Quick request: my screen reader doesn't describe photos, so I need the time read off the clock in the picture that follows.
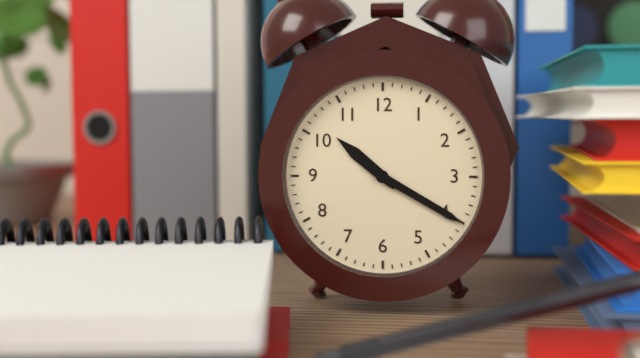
10:20
